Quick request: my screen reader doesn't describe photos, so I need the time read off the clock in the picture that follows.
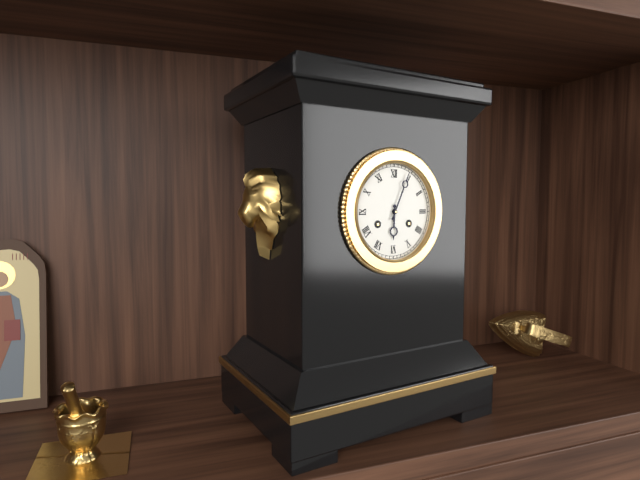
6:04
